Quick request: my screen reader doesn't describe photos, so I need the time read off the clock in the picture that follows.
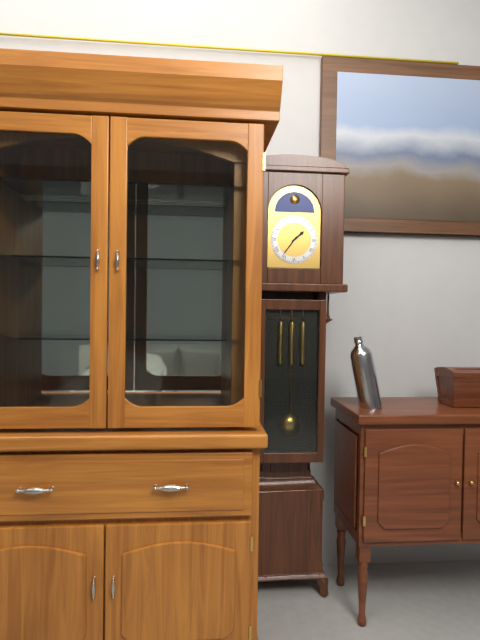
1:36
